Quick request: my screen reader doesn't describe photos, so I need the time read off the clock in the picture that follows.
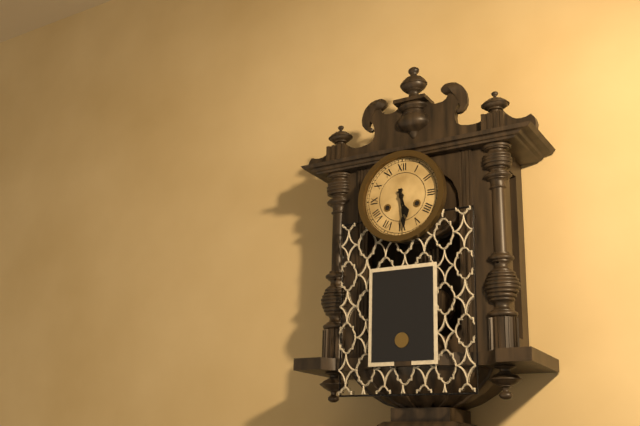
5:29
